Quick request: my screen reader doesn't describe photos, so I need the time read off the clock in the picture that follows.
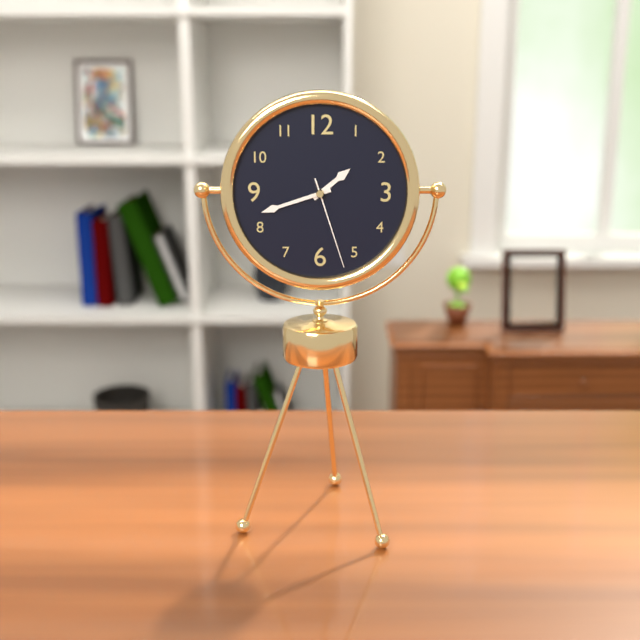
1:42:27
